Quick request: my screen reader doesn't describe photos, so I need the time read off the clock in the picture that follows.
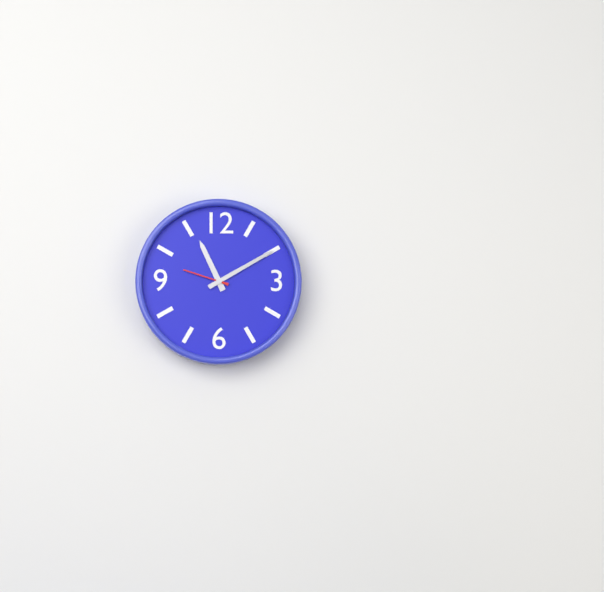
11:10
